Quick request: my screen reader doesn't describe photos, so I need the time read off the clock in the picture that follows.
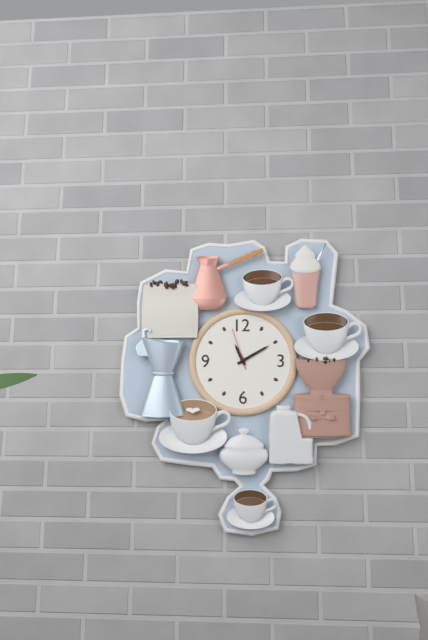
11:10
